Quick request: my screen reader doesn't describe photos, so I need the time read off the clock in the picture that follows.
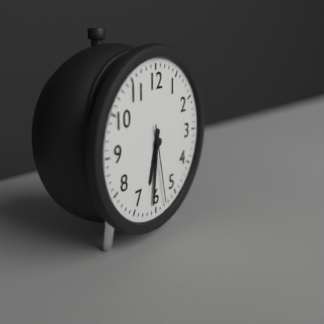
6:31:28
